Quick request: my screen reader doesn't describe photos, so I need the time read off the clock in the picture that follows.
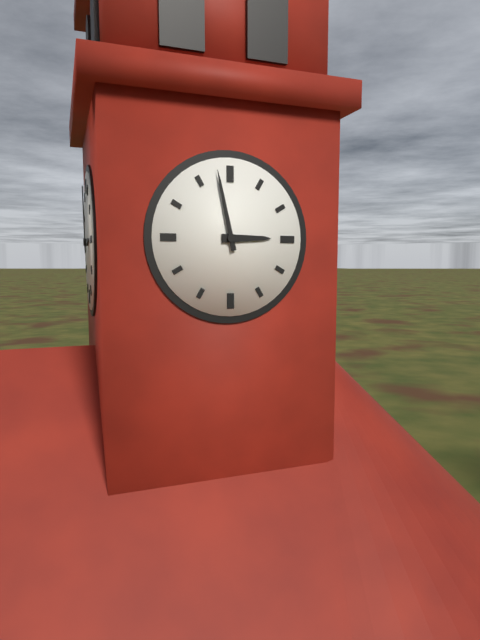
2:58
